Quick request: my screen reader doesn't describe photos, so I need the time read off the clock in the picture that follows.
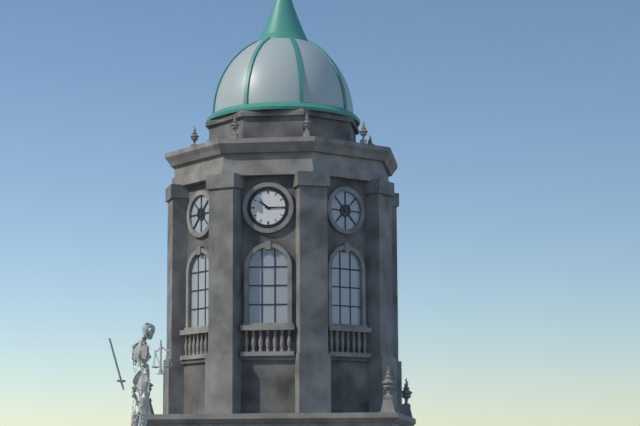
10:15
